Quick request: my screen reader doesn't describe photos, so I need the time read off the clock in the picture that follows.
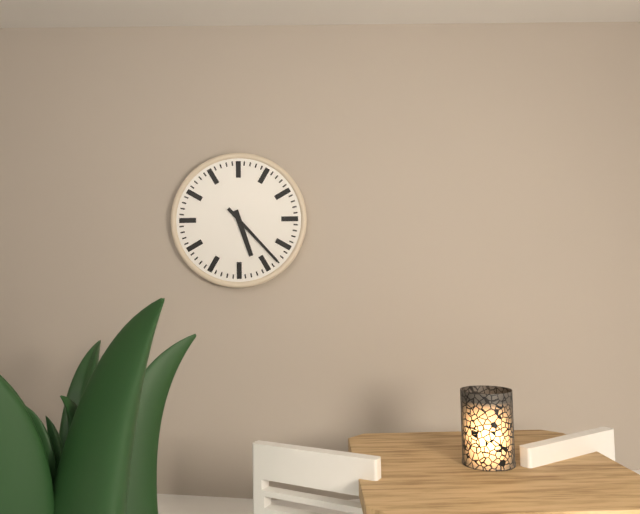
5:23
